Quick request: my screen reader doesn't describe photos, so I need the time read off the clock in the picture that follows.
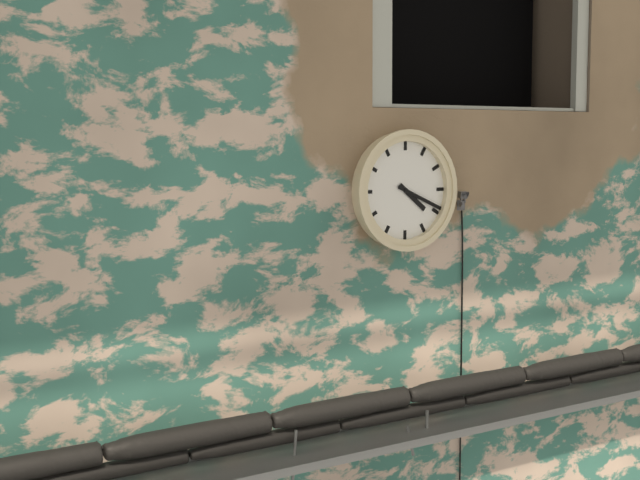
4:19
